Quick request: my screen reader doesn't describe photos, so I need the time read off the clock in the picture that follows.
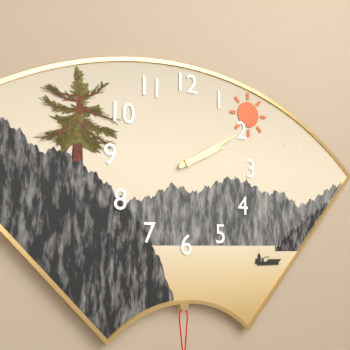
2:10
